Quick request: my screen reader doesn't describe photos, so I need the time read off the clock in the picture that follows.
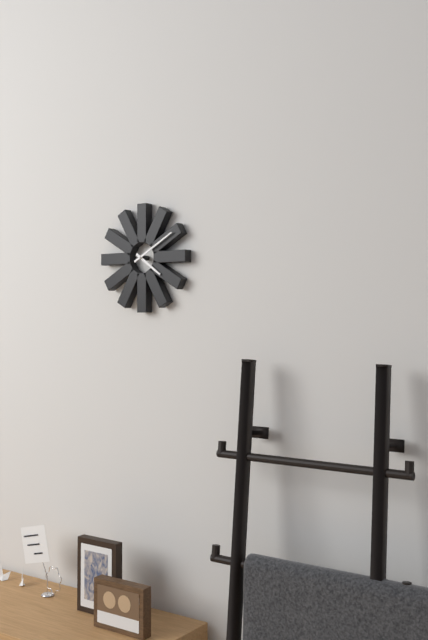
4:10
